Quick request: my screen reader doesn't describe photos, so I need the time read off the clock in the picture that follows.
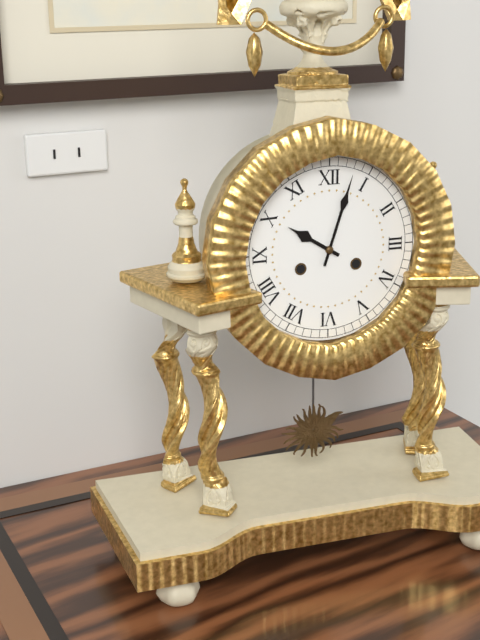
10:03
